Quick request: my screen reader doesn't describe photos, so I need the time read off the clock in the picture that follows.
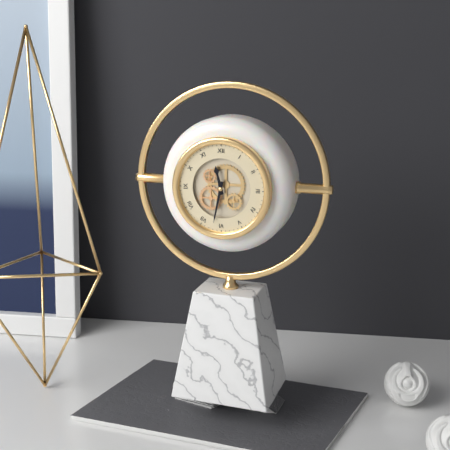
11:32
